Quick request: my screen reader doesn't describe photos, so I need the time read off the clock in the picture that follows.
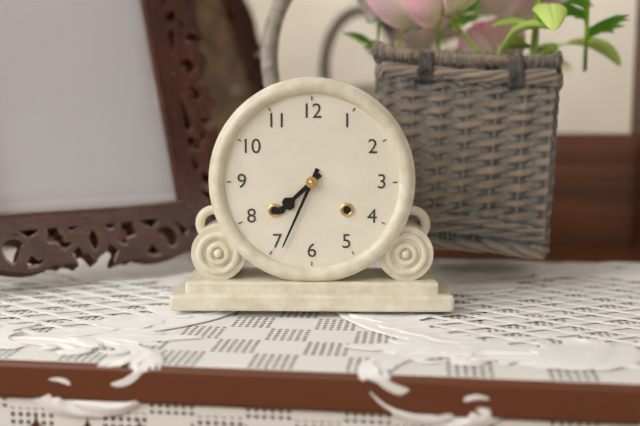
7:34
